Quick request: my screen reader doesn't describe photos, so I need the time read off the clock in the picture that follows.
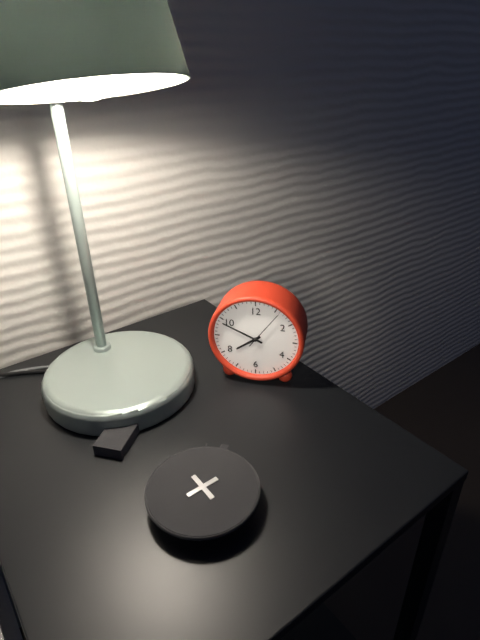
7:49
